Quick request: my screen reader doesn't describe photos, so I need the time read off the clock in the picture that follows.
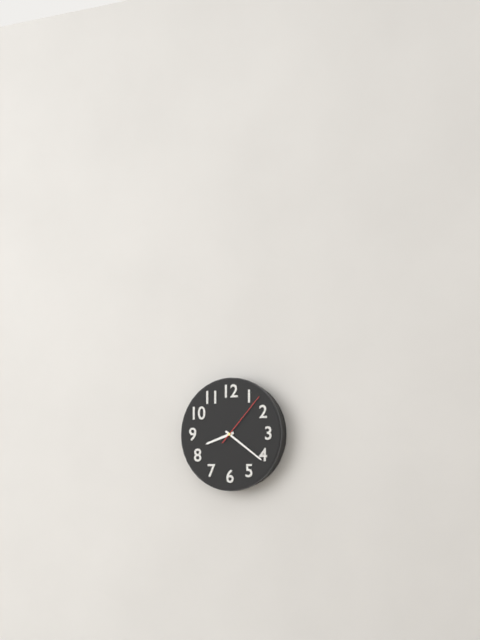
8:21:07
